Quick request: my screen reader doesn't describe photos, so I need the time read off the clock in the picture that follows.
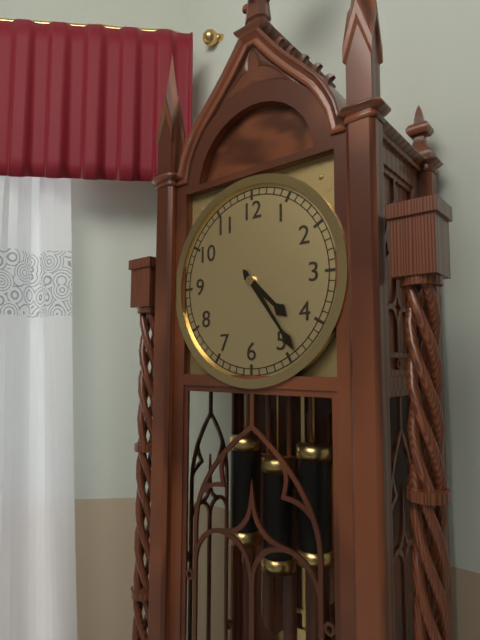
4:24
